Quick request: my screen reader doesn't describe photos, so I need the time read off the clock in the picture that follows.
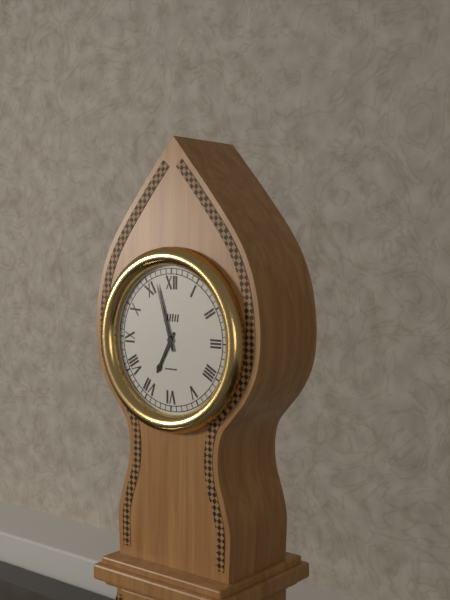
6:57
